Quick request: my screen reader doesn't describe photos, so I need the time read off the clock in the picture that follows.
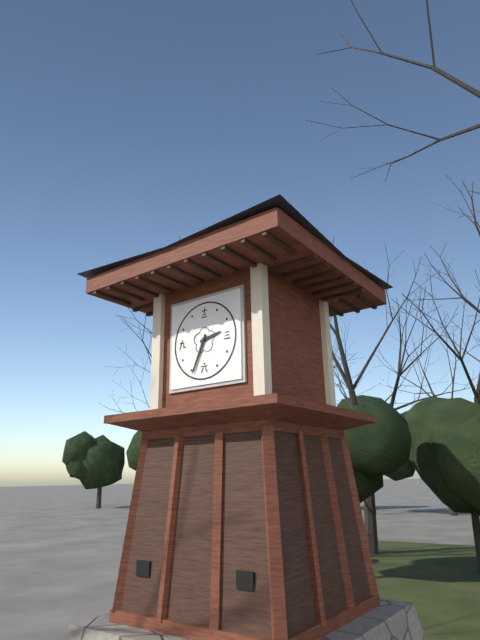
2:34
